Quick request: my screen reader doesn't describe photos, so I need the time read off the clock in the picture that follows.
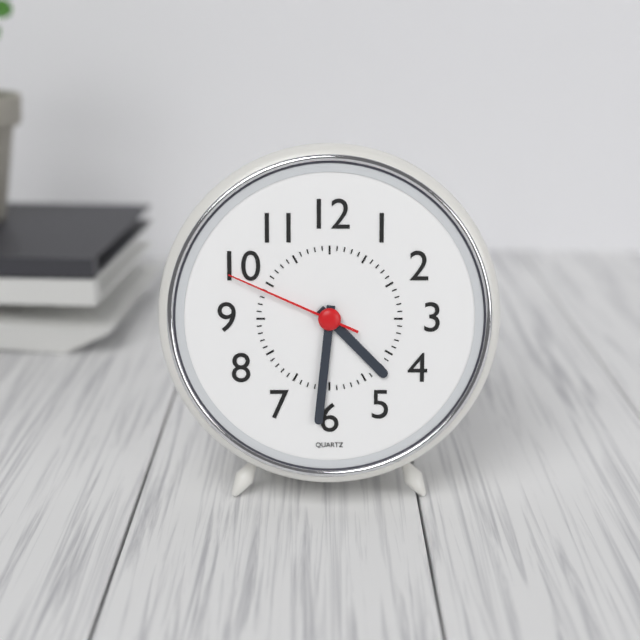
4:31:49
